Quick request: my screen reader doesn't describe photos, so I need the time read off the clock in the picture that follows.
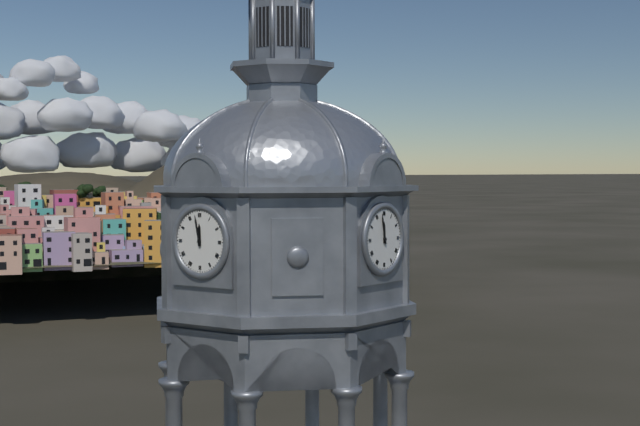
11:58
